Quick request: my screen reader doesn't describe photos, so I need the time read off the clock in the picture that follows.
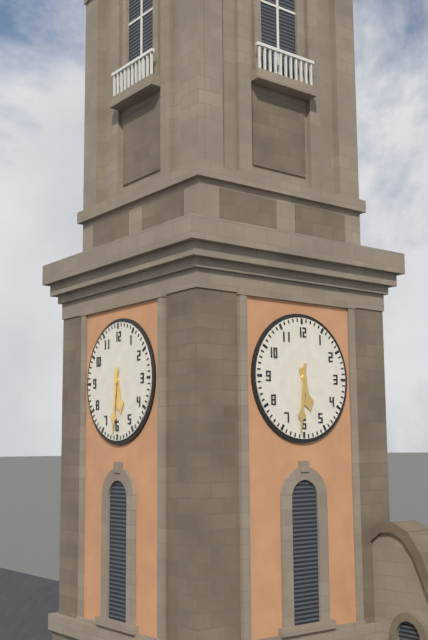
5:31
